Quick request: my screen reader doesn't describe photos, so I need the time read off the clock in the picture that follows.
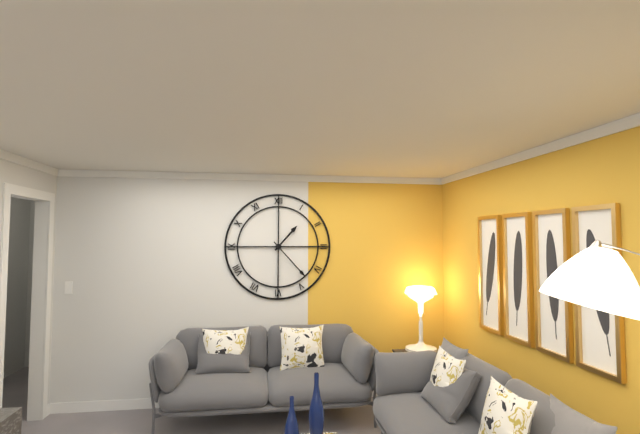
1:23
